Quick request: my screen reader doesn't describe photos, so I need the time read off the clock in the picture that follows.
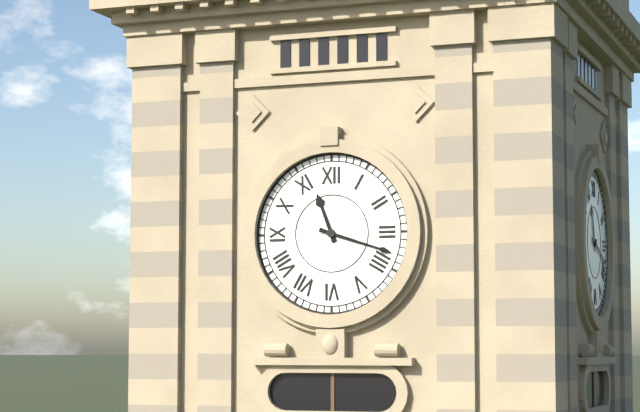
11:18
